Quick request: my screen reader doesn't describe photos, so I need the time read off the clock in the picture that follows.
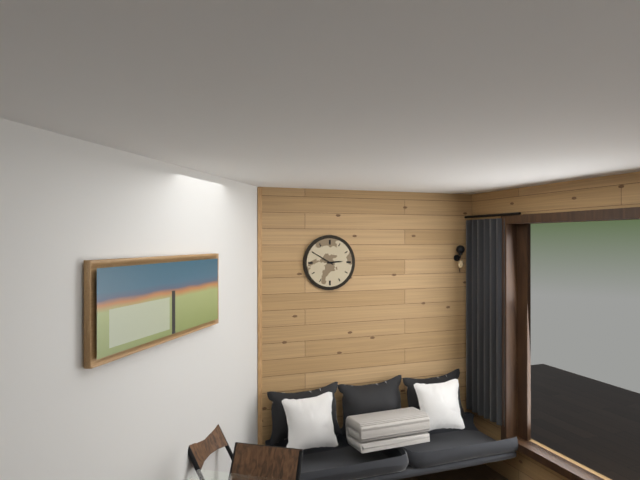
2:50
